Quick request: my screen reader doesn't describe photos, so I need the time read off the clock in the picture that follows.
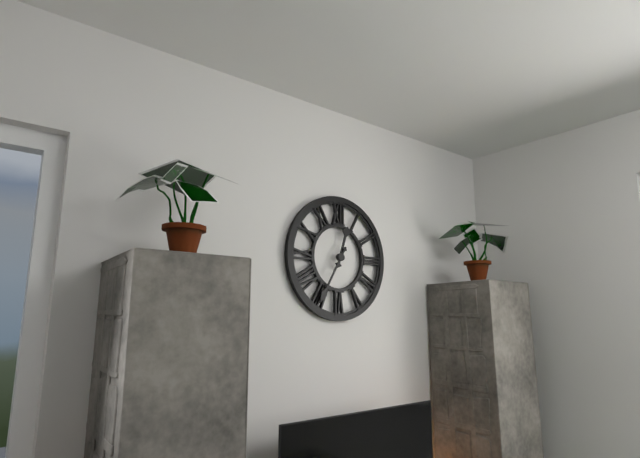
12:35
